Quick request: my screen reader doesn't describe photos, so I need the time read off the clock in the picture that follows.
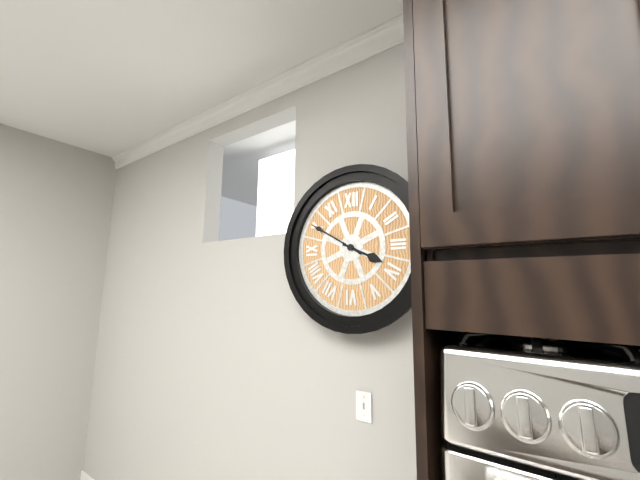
3:50
